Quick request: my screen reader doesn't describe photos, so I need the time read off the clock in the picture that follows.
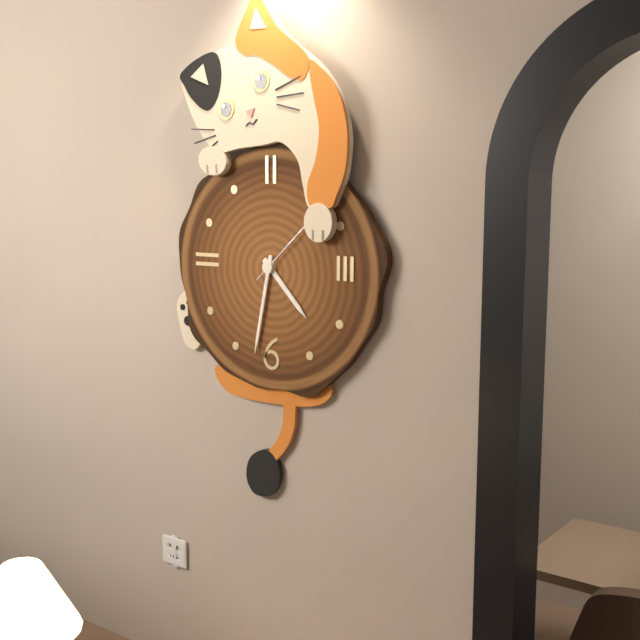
4:32
